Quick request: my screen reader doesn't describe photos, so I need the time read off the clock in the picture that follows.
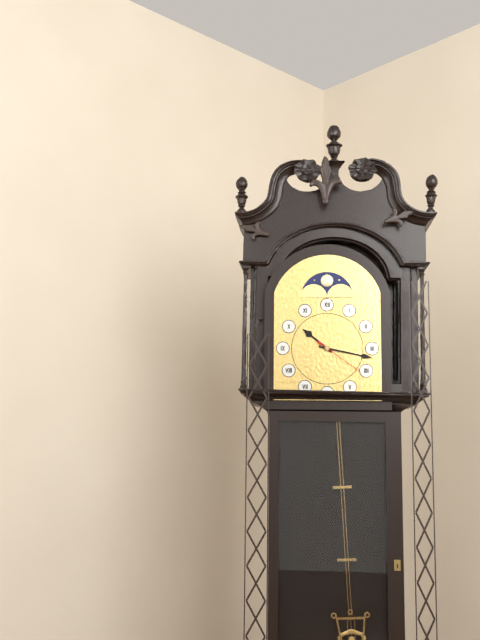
10:17:21
